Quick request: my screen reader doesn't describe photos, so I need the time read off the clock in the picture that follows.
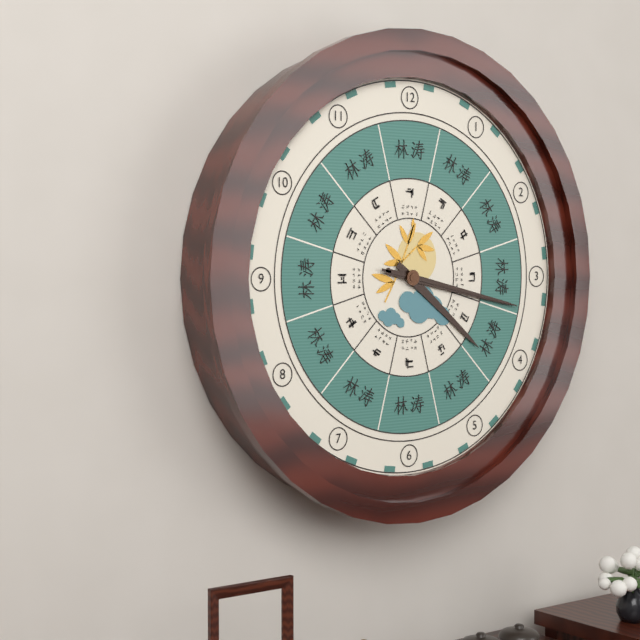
4:17:17
